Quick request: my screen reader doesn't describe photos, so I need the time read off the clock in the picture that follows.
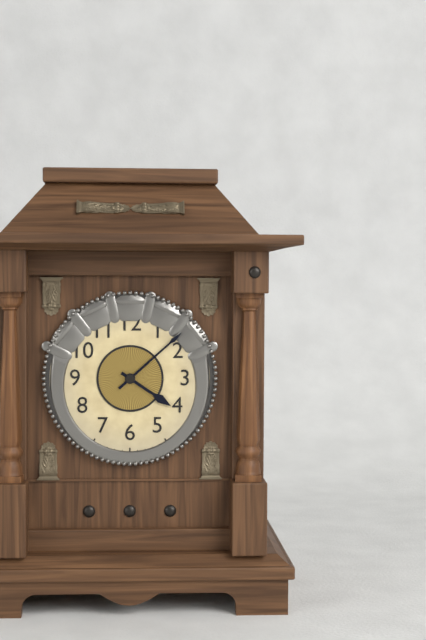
4:08
